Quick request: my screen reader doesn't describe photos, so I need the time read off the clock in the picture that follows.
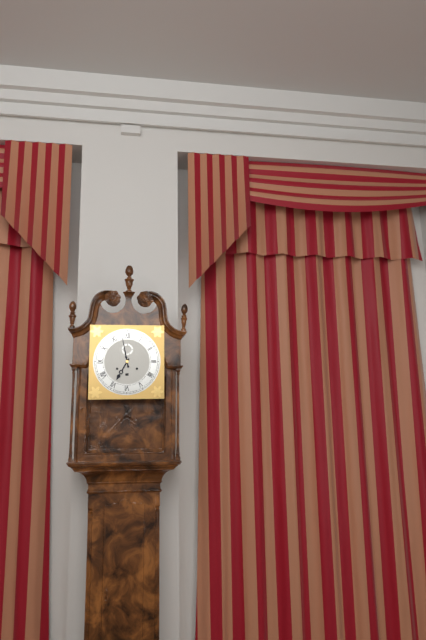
6:58
